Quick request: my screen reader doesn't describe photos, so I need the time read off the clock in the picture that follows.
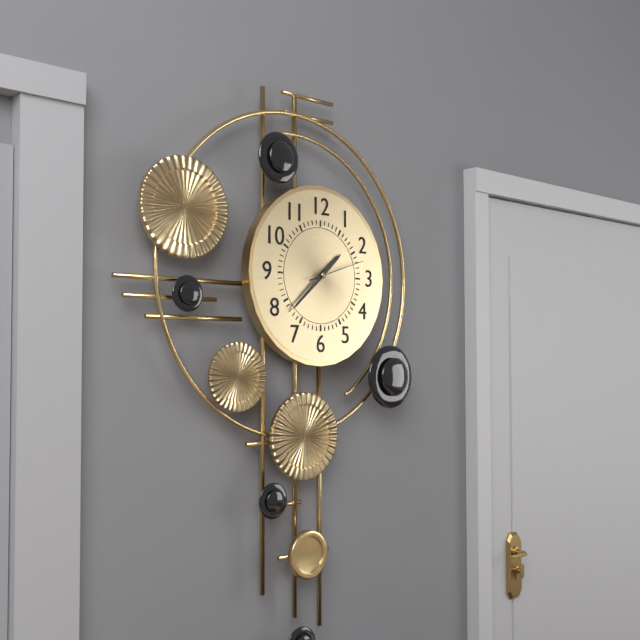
1:38:12
